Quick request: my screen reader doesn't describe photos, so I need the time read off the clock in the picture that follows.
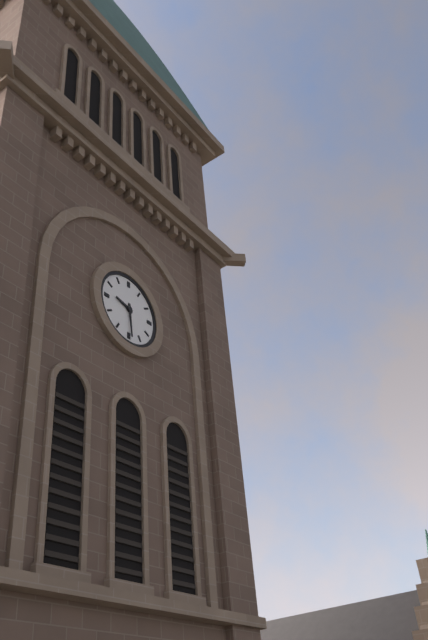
9:29
